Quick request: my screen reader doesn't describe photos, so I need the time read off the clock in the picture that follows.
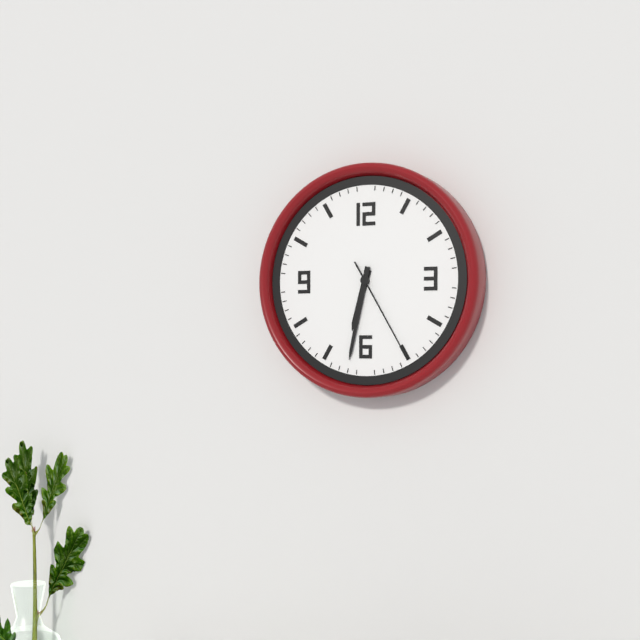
6:32:25
